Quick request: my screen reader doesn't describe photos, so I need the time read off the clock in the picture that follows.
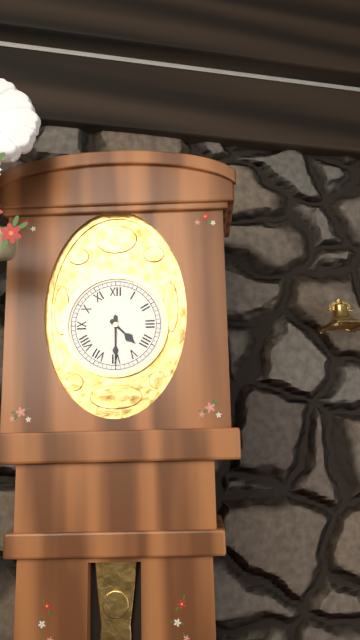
4:30
